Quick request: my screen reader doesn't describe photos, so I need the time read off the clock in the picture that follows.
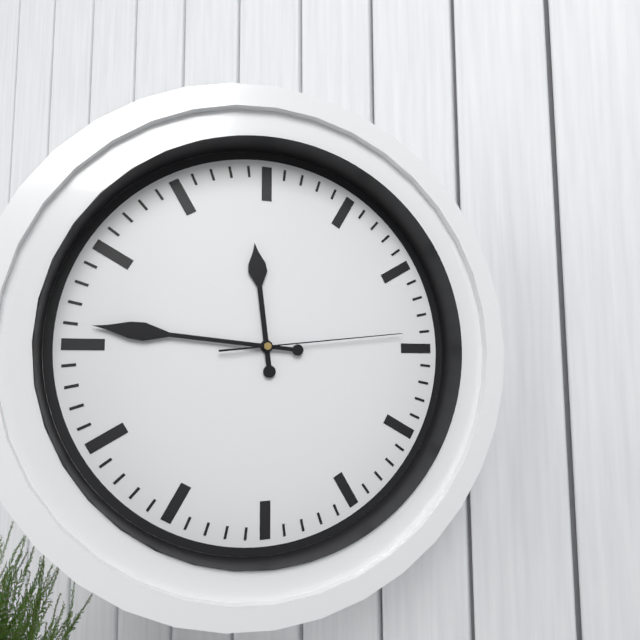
11:46:14
